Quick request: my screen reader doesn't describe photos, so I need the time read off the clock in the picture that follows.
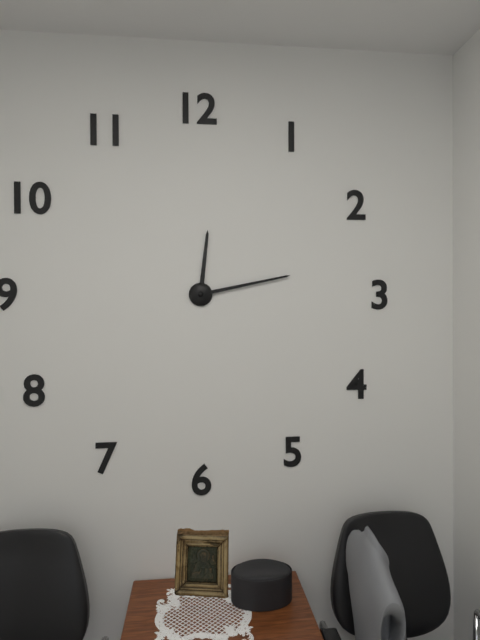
12:13
